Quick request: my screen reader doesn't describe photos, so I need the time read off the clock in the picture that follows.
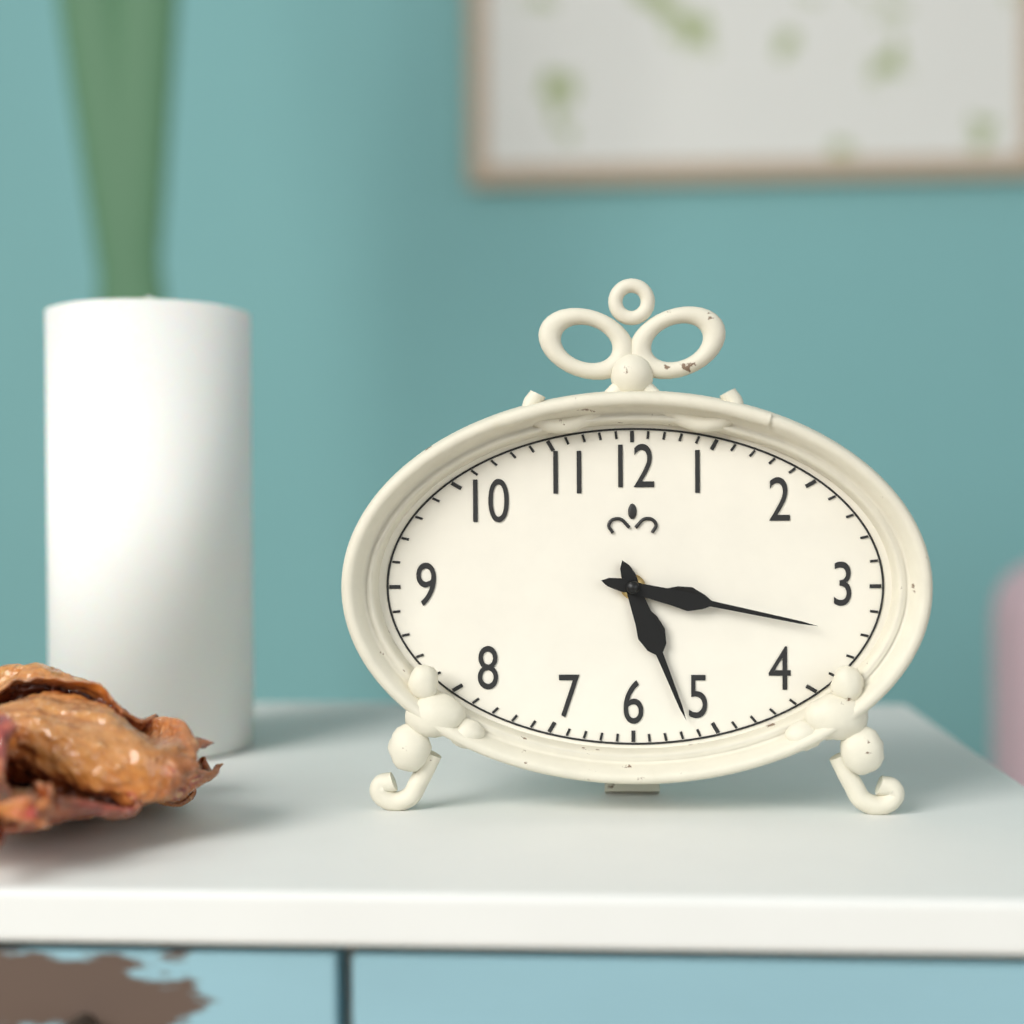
5:17
